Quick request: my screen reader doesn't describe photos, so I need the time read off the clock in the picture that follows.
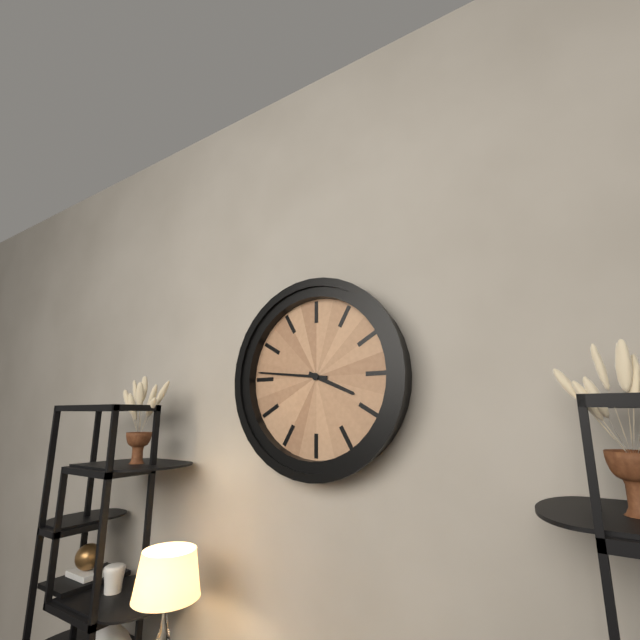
3:46
